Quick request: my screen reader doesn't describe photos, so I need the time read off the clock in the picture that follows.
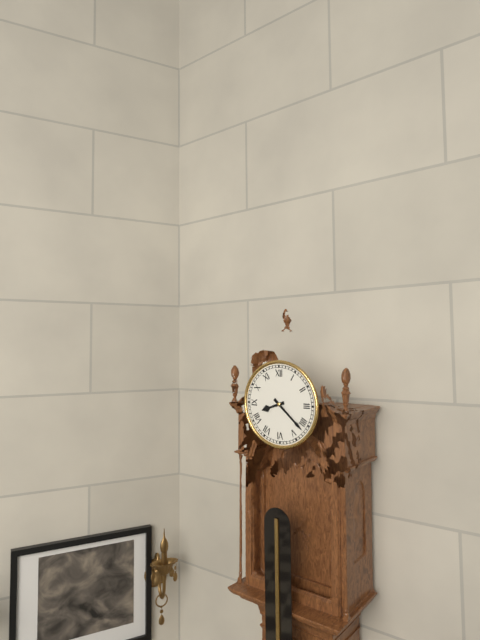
8:22
